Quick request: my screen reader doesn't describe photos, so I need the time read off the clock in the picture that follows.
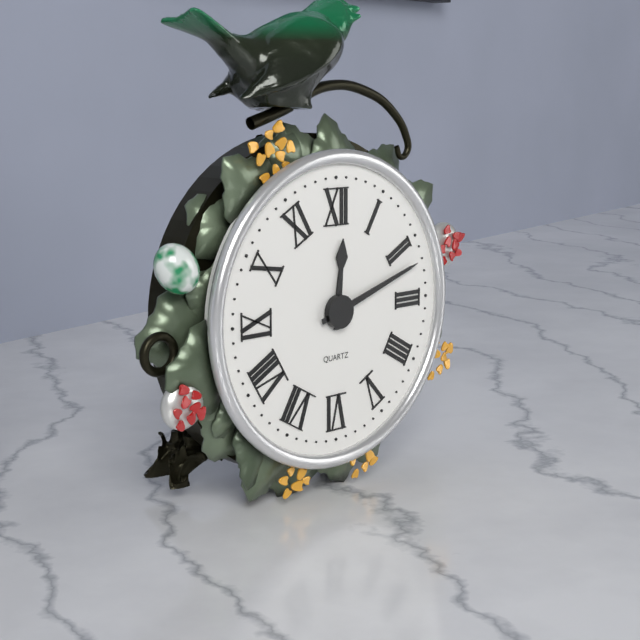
12:12
